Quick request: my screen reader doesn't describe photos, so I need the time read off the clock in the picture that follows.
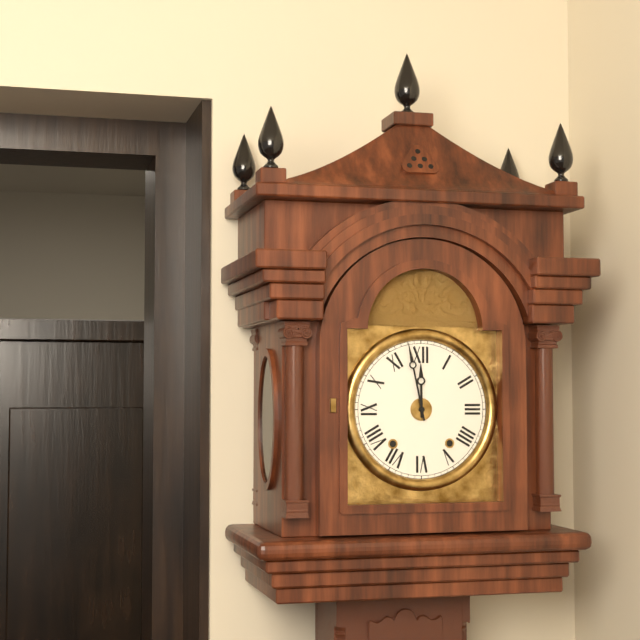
11:58
